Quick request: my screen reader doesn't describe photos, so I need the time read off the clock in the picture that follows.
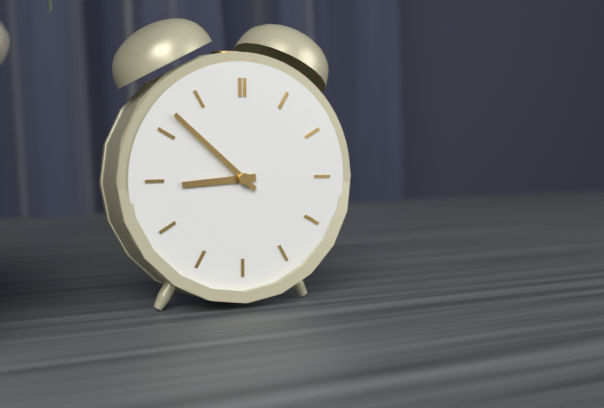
8:52
